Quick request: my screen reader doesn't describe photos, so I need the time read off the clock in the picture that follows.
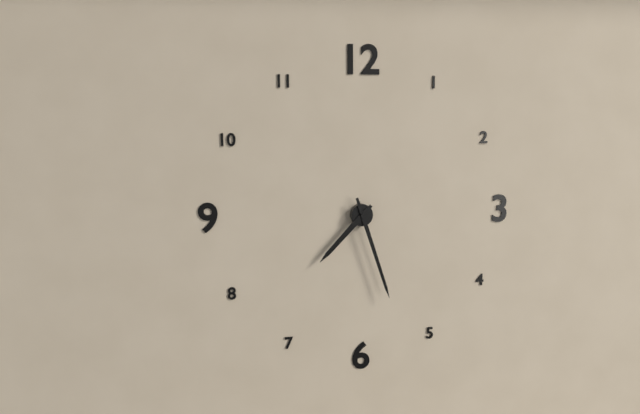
7:27
